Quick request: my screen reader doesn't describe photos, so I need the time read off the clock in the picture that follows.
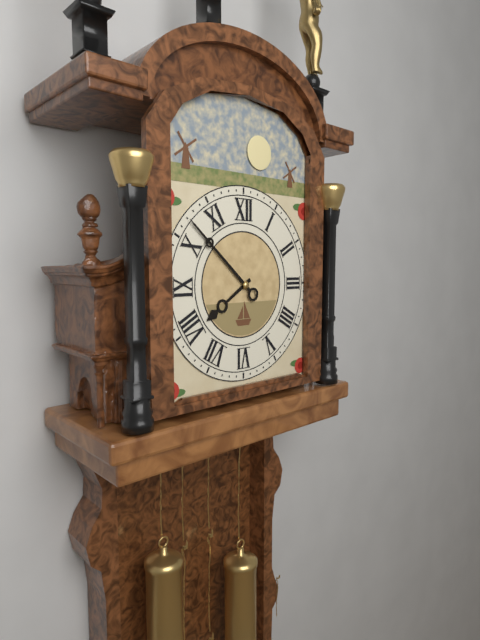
7:52
